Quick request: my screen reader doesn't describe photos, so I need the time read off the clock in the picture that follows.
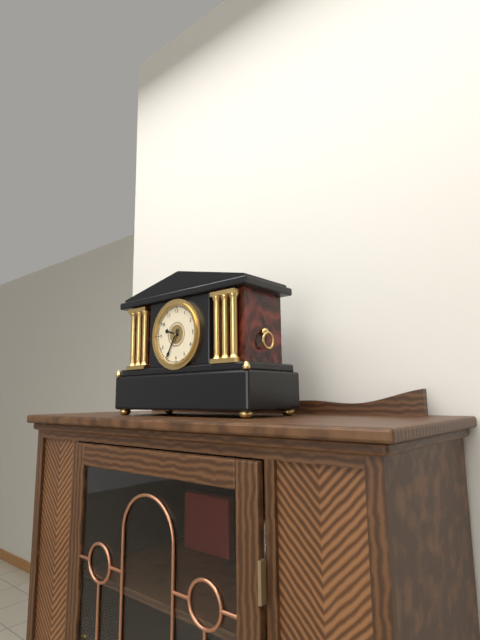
9:35
